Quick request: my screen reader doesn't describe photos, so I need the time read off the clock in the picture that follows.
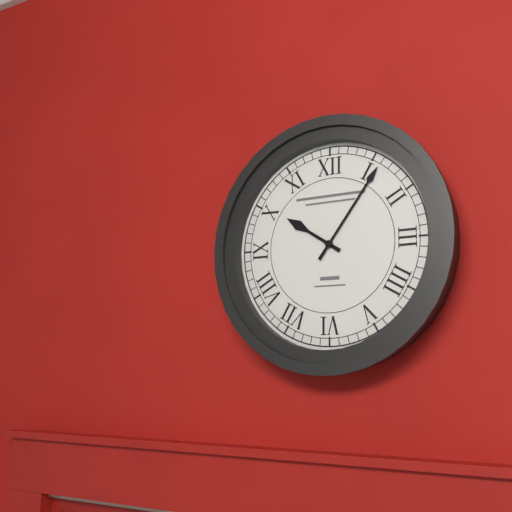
10:06
